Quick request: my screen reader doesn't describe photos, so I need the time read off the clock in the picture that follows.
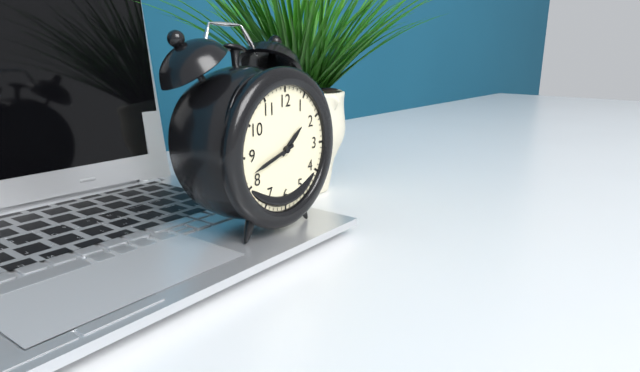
1:42
